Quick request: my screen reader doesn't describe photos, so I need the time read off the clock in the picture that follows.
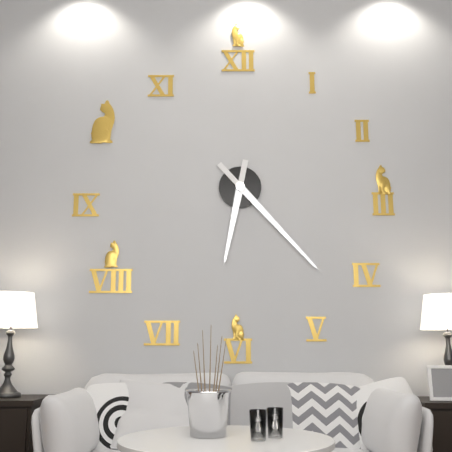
6:23
